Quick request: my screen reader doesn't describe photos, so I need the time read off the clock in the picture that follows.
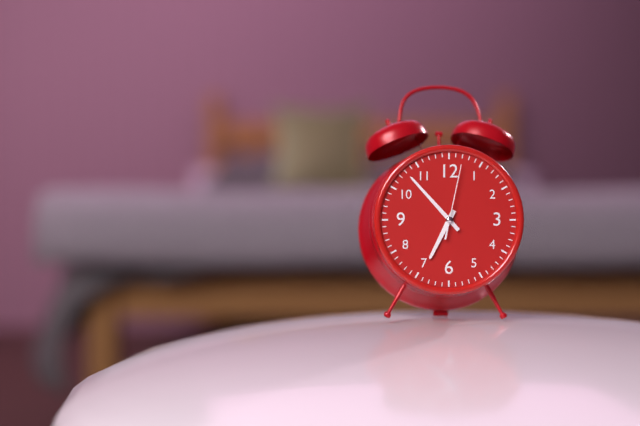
6:53:02
